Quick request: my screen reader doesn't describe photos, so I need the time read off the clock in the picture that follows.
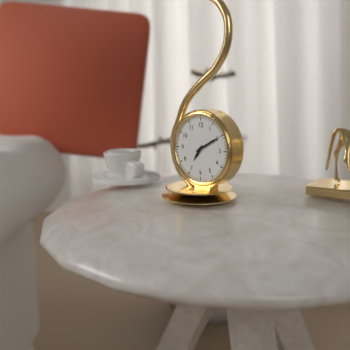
7:10
